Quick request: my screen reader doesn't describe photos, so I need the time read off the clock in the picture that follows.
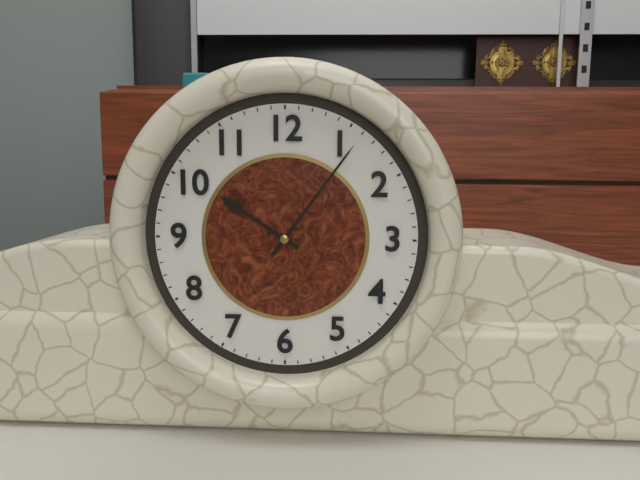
10:06
